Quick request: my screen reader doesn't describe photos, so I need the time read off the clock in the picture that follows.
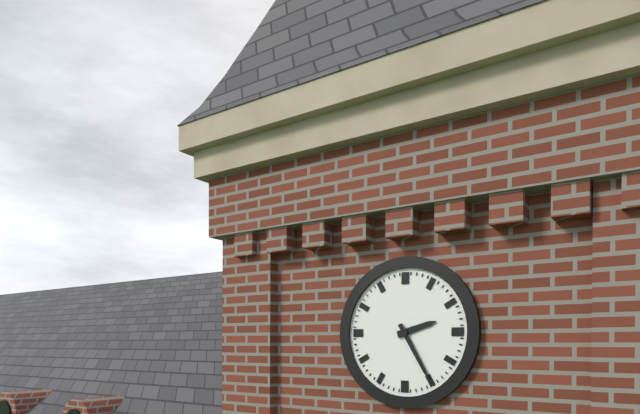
2:25
